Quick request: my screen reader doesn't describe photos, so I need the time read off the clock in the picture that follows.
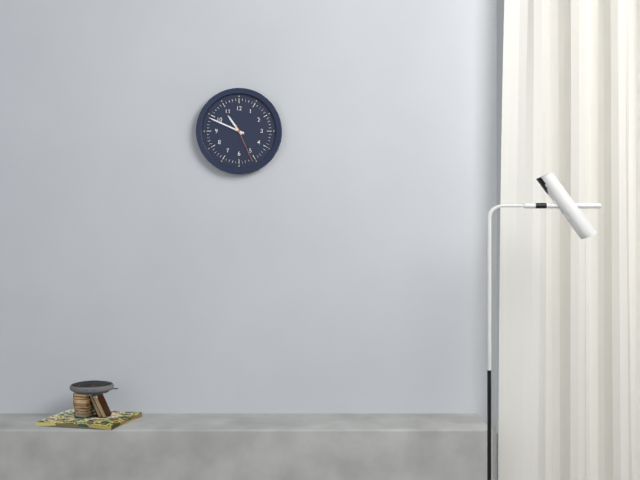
10:49
